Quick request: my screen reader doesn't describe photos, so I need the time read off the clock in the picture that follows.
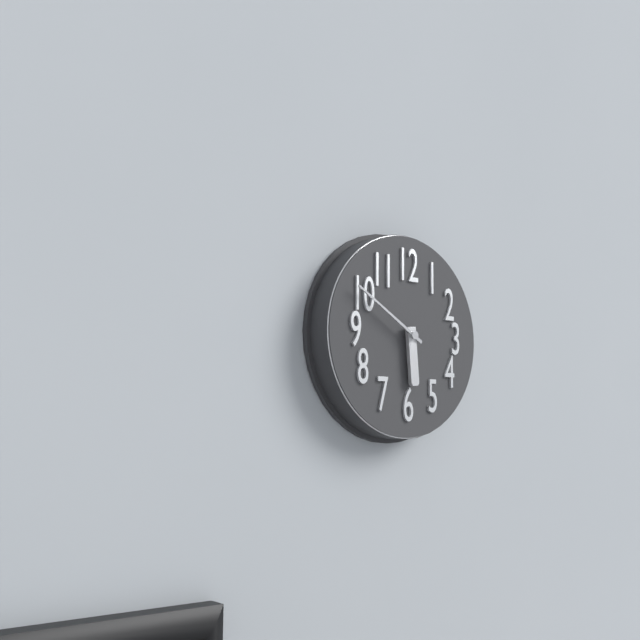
5:50
